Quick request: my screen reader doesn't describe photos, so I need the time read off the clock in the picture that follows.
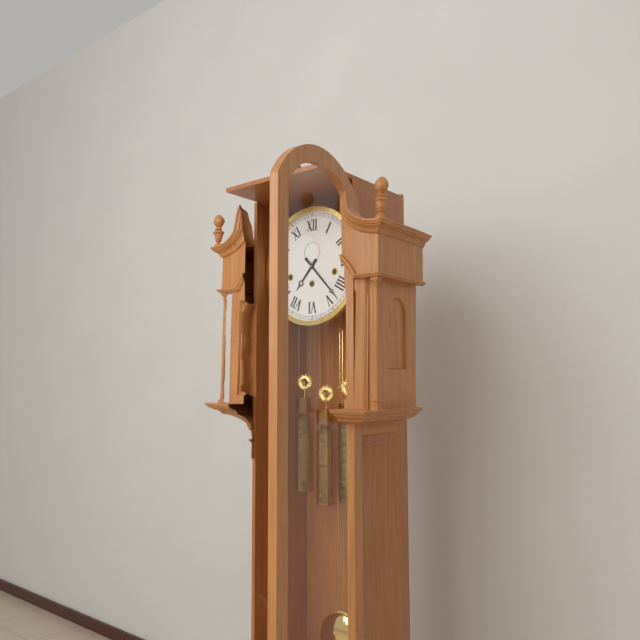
7:23
